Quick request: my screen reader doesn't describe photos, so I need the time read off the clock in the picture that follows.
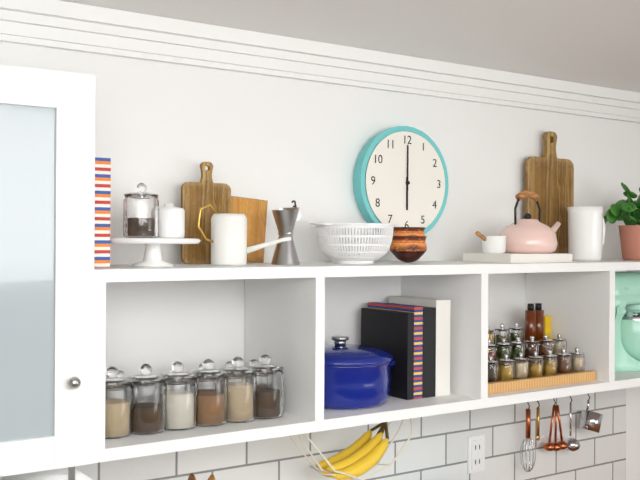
6:00
